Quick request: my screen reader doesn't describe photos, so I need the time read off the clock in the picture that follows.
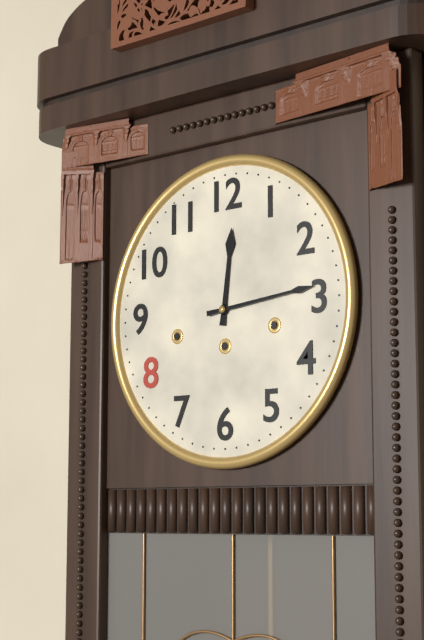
12:14
